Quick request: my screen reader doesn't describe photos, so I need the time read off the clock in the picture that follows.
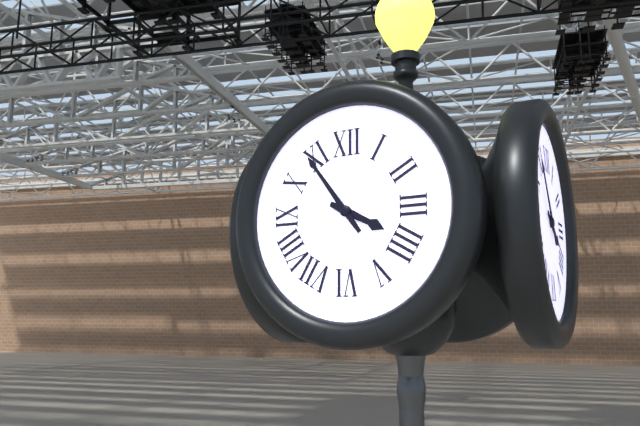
3:54
